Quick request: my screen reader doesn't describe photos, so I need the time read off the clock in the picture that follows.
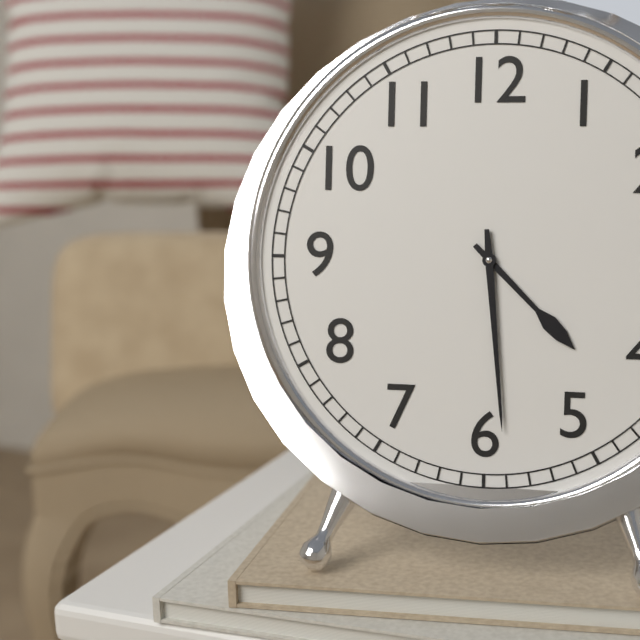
4:29
